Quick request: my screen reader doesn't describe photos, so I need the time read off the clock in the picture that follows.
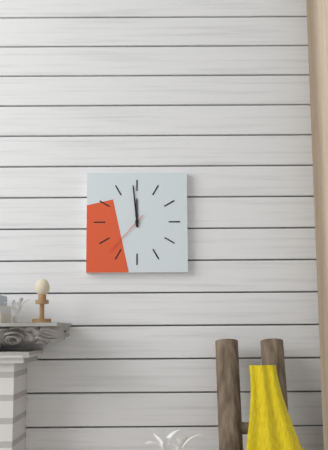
11:59:37
